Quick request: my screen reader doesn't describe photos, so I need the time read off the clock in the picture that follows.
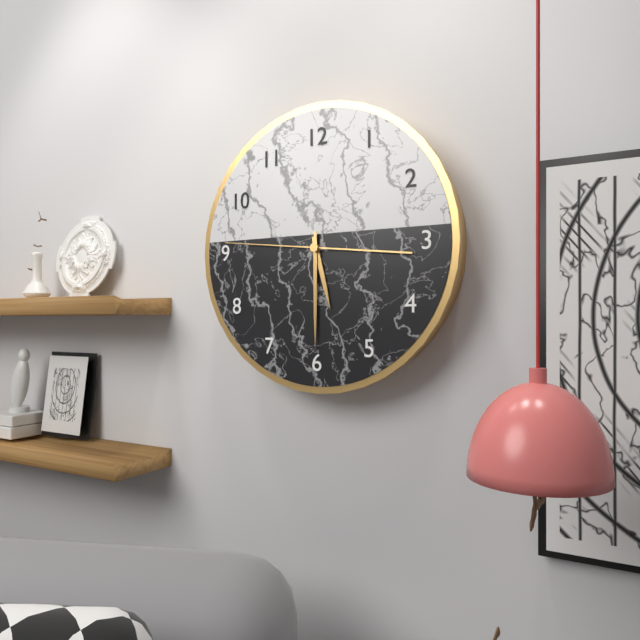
5:30:46
